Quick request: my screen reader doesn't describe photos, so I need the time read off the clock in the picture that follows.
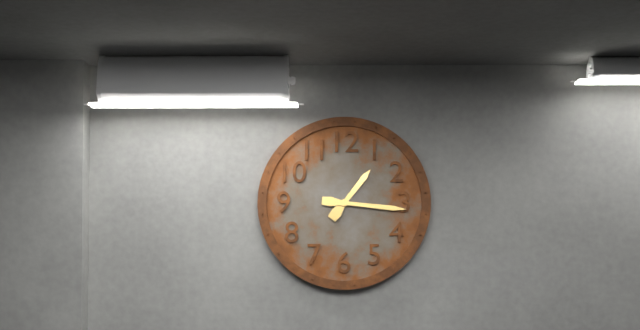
1:16
